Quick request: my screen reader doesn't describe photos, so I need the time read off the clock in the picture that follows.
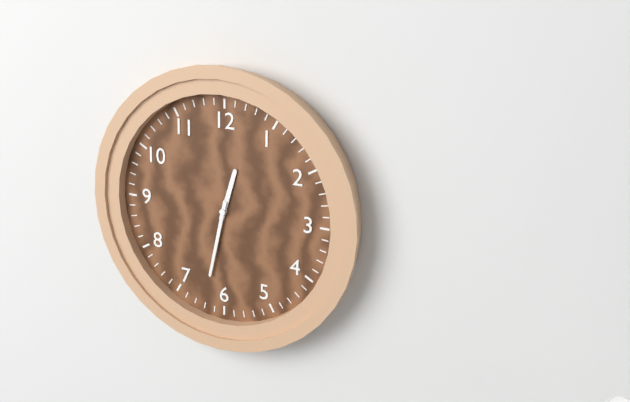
12:32
